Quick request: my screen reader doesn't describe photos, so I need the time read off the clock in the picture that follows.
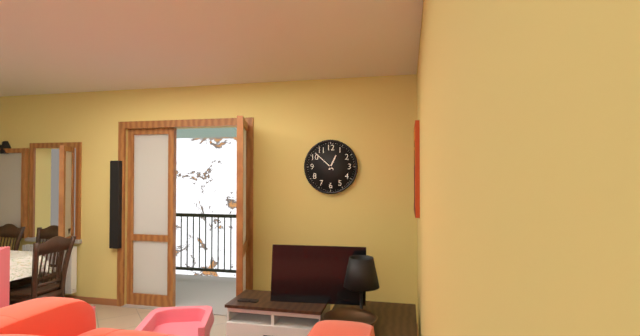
12:52
